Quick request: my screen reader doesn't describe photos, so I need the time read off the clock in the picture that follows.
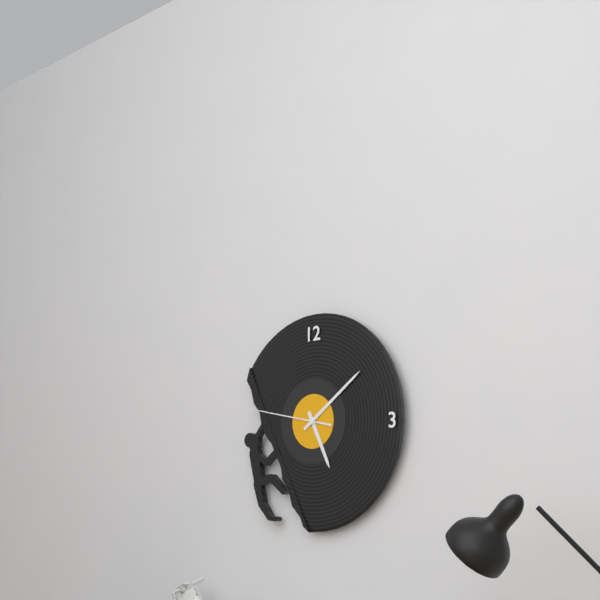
5:09:47
